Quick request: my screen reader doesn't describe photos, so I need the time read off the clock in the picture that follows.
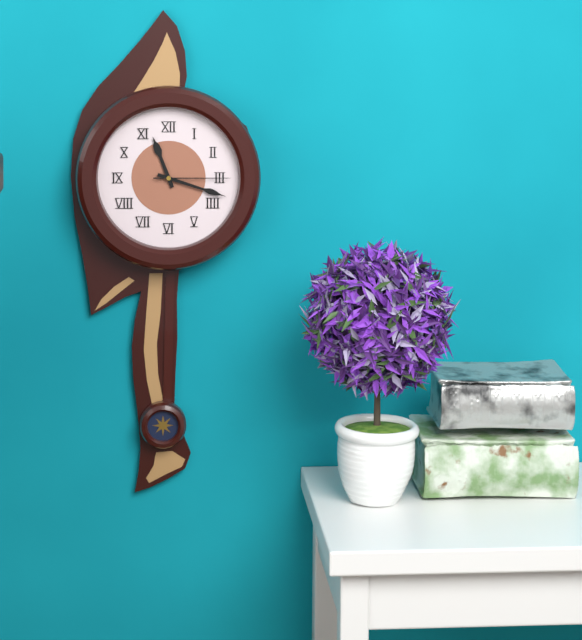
11:18:15
